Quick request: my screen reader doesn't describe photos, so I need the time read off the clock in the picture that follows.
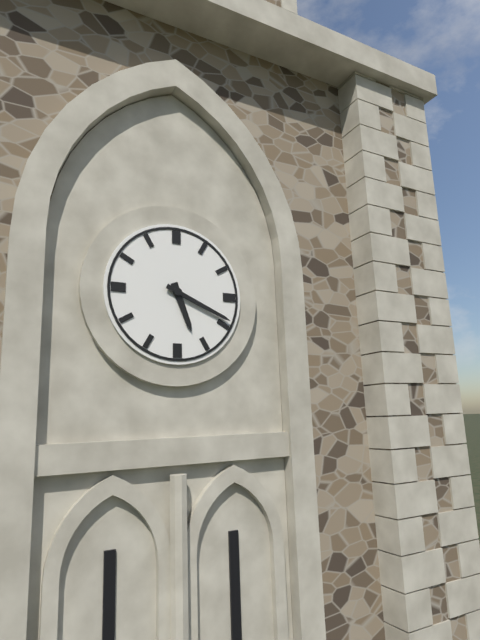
5:19
